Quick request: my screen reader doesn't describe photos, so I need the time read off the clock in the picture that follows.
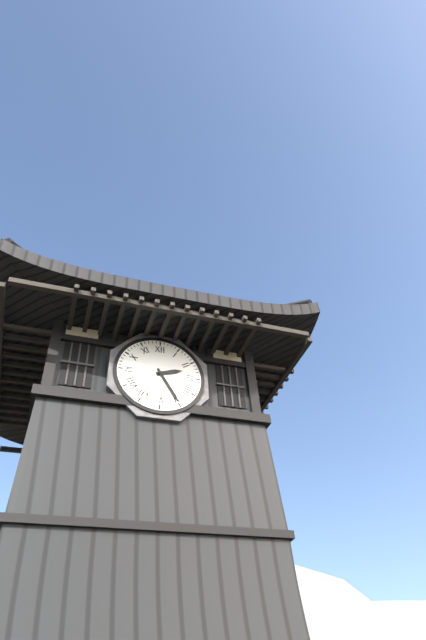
2:25
